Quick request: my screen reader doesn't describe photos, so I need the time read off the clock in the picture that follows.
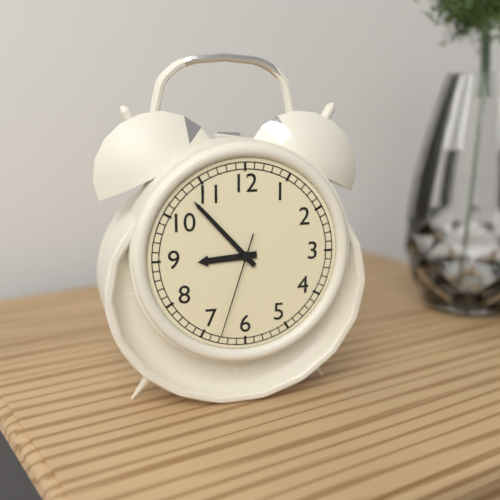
8:53:33
